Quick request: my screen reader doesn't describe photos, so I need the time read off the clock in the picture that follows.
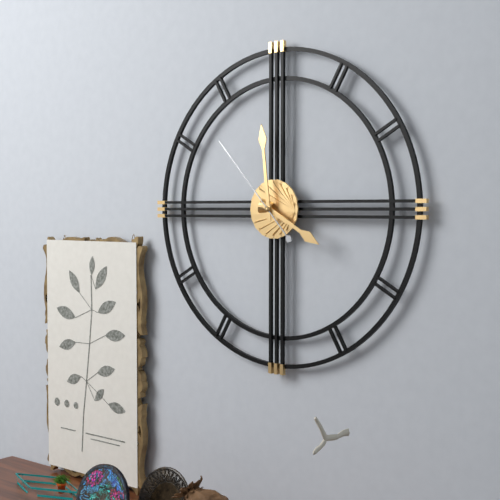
3:59:53
